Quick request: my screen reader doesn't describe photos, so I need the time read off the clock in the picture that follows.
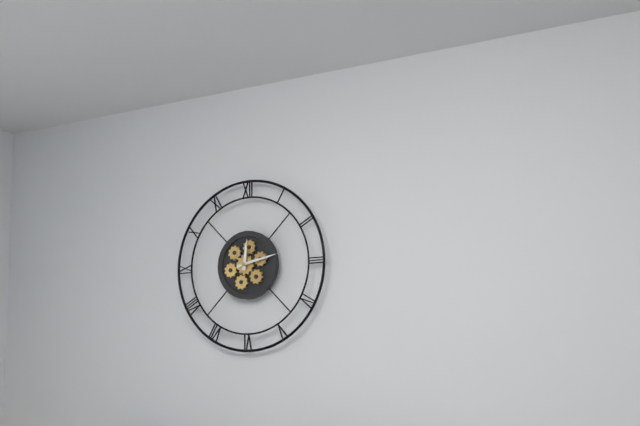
12:13
